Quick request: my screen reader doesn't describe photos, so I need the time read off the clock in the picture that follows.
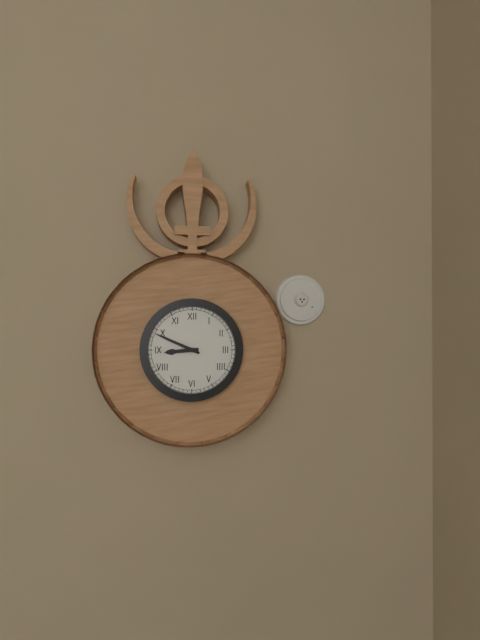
8:49
